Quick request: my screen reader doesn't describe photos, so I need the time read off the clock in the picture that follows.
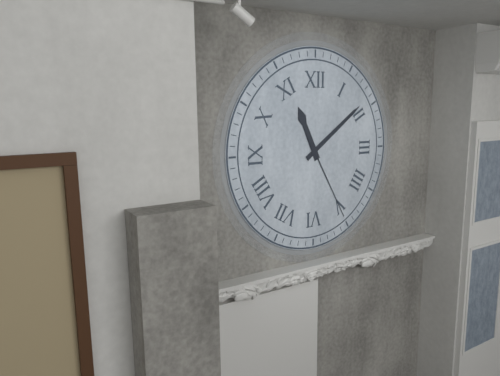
11:09:25
